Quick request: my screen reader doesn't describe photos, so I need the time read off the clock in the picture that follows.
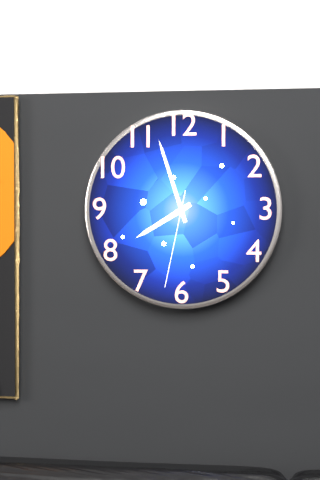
7:57:32
